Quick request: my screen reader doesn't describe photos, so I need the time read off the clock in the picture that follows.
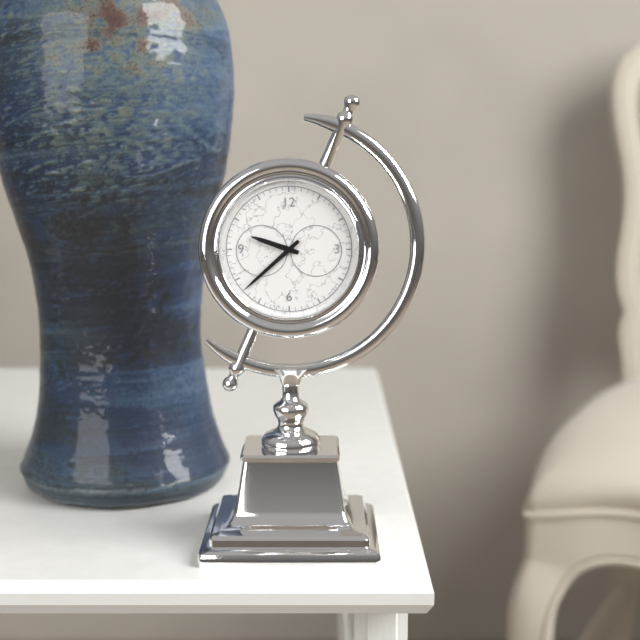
9:38
